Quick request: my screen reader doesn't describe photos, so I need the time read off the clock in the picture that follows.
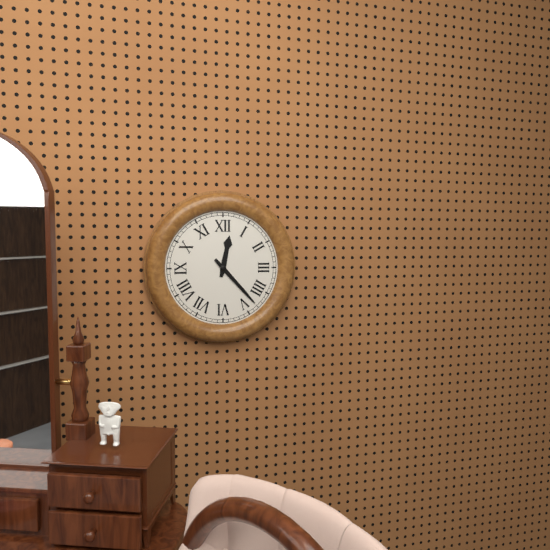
12:23
